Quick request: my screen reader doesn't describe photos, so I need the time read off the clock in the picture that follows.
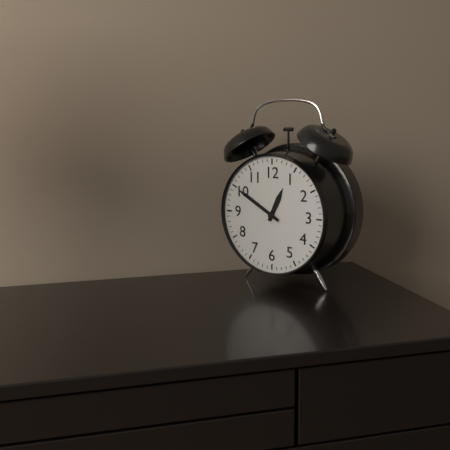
12:50
